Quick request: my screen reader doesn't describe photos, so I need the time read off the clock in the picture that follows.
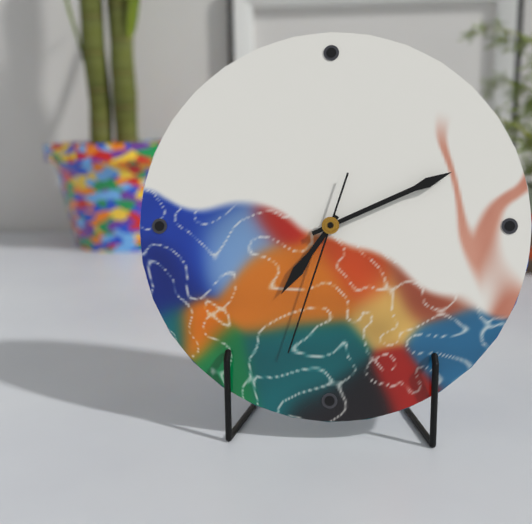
7:11:33
